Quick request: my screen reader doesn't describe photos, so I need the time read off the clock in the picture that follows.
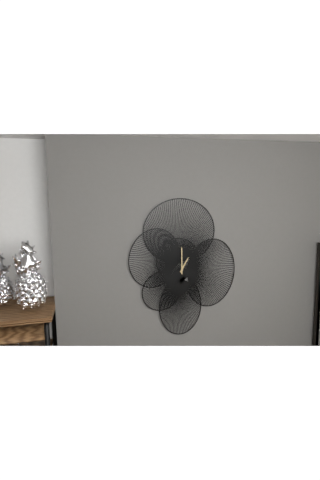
1:00
